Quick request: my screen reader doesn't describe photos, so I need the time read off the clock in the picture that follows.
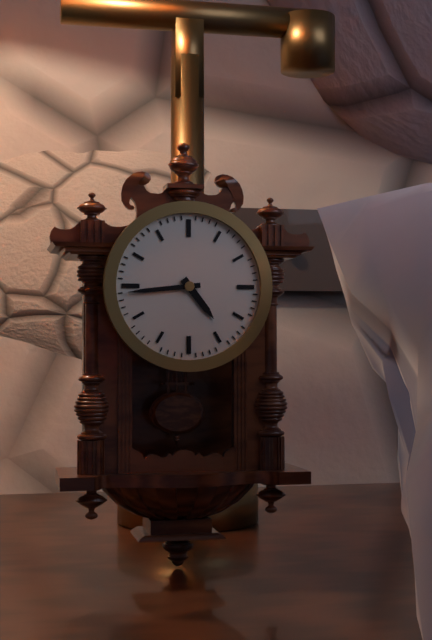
4:44
